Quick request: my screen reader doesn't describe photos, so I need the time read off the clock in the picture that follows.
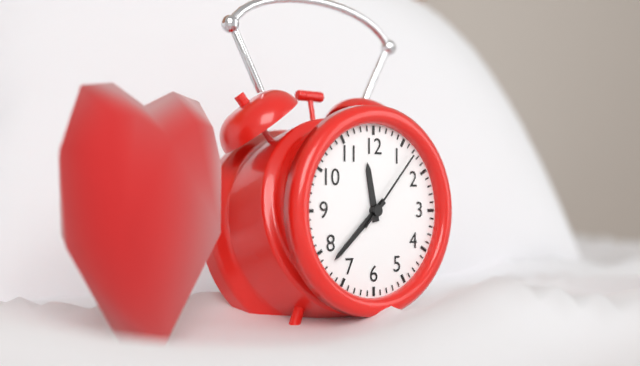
11:38:07
